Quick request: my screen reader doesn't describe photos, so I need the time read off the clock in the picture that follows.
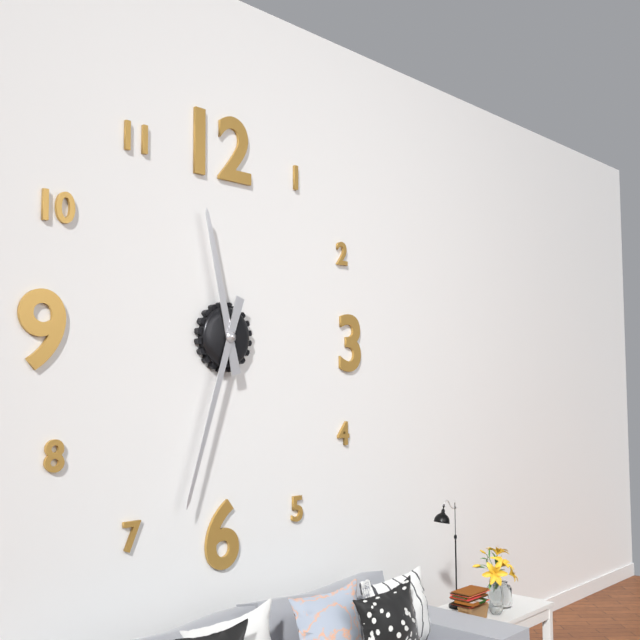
11:33
